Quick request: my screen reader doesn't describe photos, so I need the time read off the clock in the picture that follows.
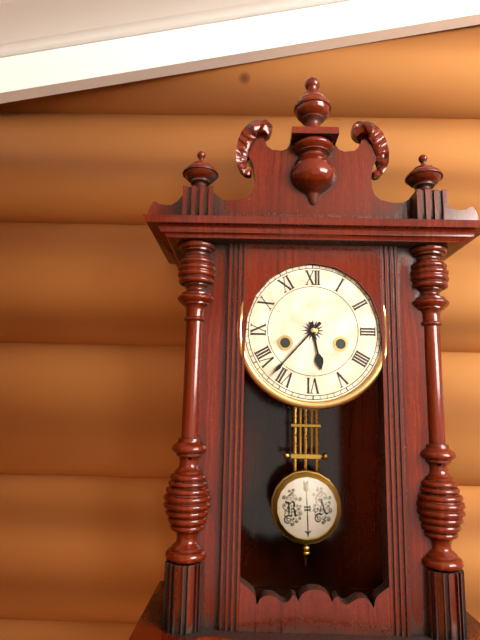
5:37
